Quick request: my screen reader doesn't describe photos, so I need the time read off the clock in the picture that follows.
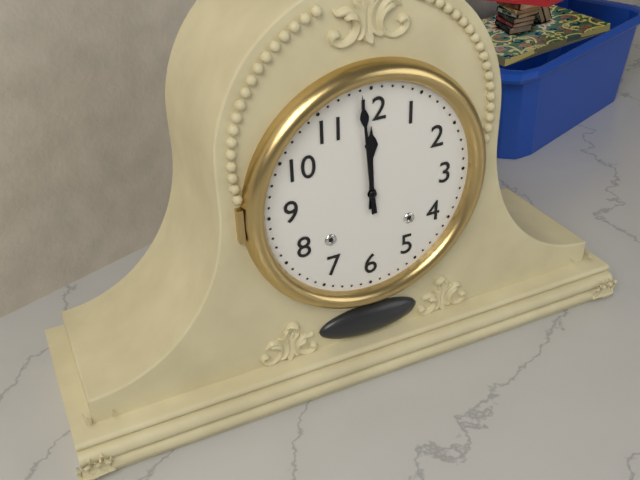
11:59
